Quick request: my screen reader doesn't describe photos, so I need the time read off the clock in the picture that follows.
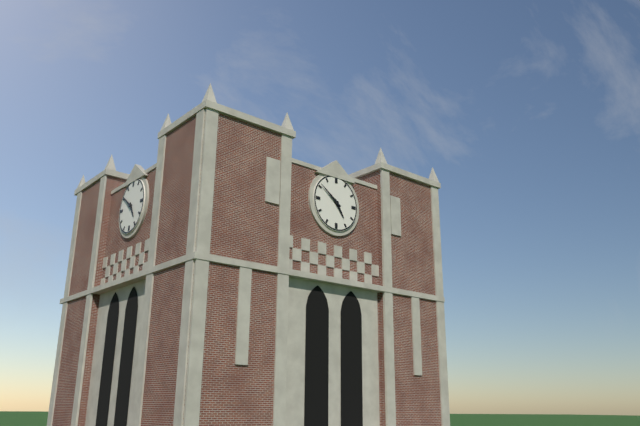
4:51
